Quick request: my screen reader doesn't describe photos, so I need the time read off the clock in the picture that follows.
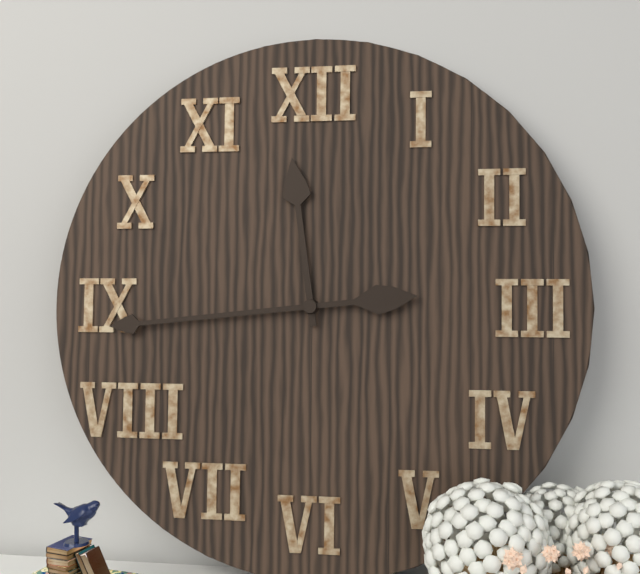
11:44
